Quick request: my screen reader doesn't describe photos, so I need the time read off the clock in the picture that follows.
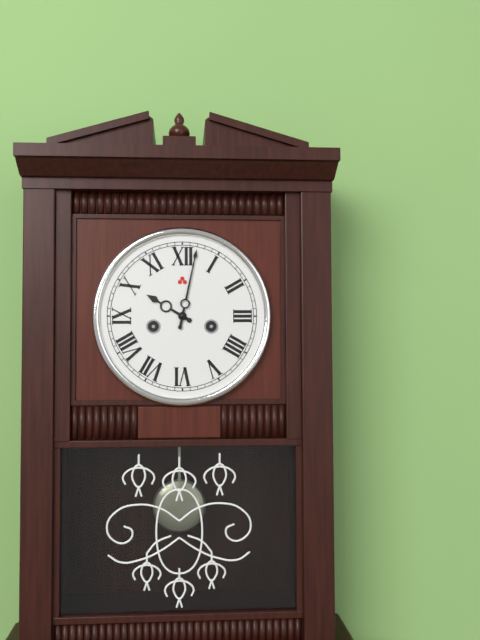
10:02
